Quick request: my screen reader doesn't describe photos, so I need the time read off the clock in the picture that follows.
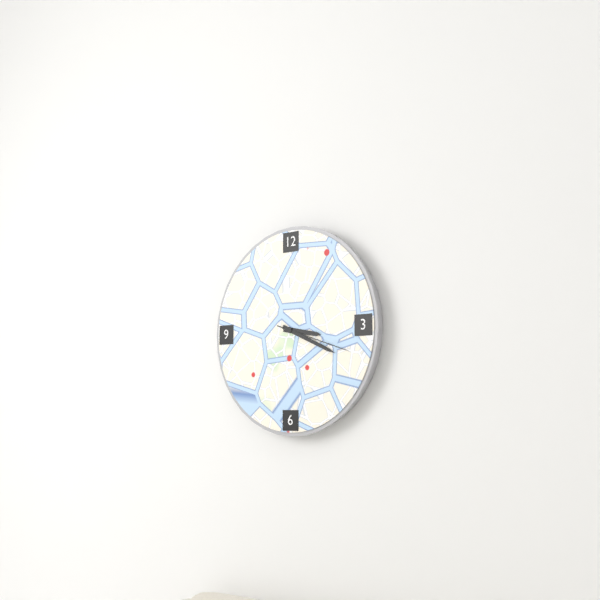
3:19:18
